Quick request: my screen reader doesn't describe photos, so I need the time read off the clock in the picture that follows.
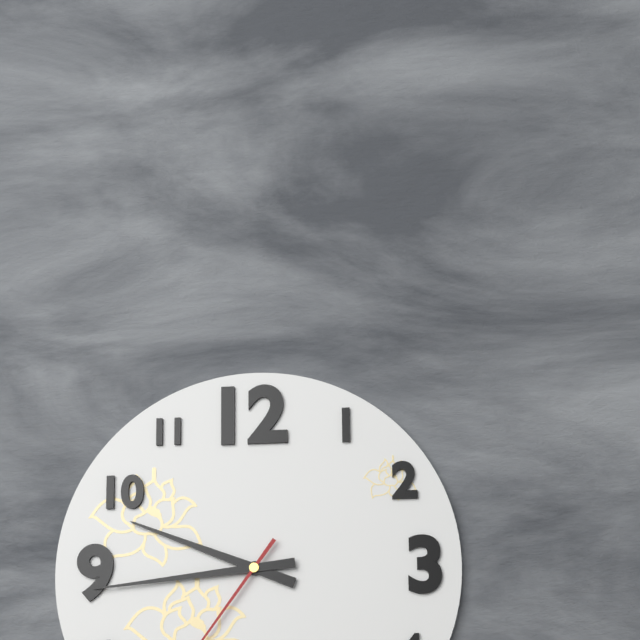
9:44
